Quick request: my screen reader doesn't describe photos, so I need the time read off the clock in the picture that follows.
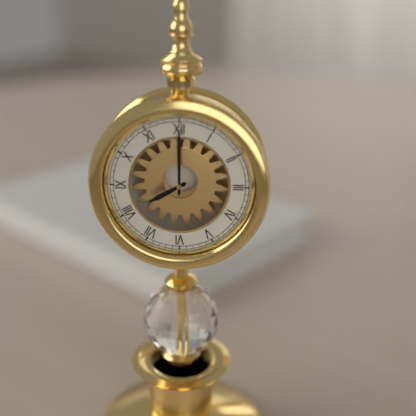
8:00
